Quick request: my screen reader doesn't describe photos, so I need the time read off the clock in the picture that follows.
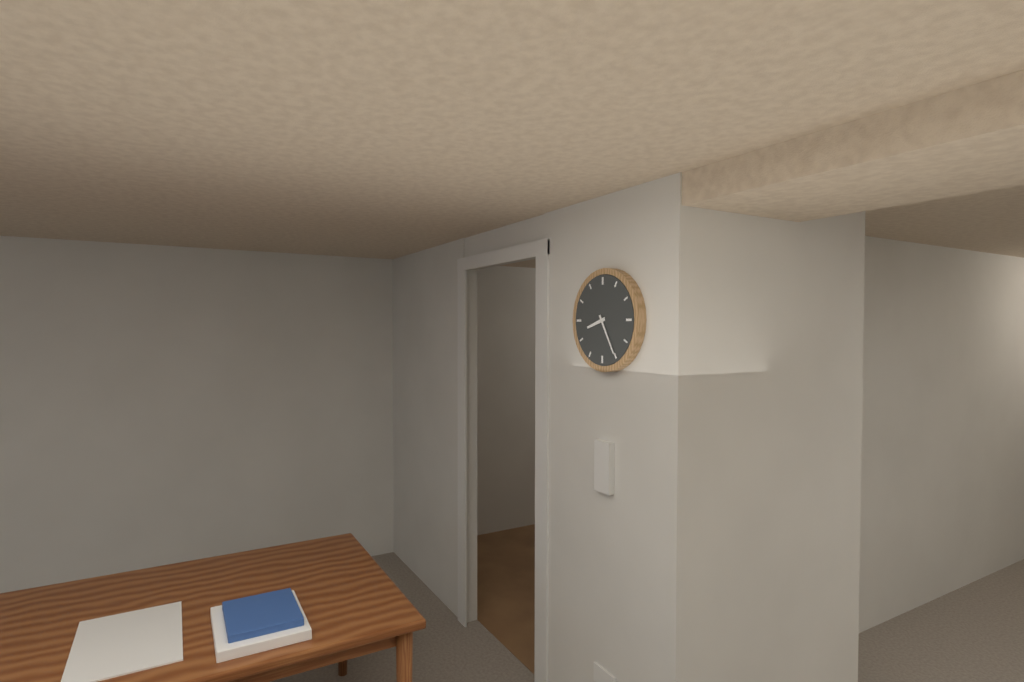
8:25
